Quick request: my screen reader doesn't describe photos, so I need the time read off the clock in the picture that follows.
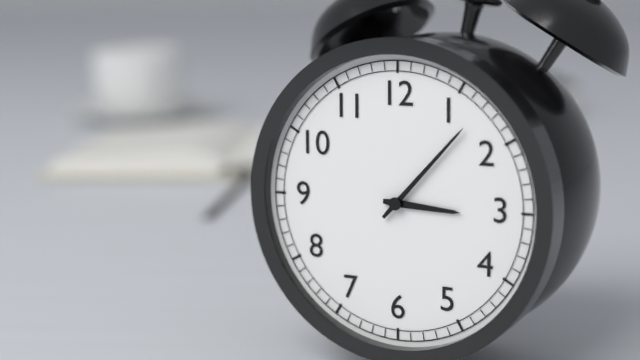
3:07
